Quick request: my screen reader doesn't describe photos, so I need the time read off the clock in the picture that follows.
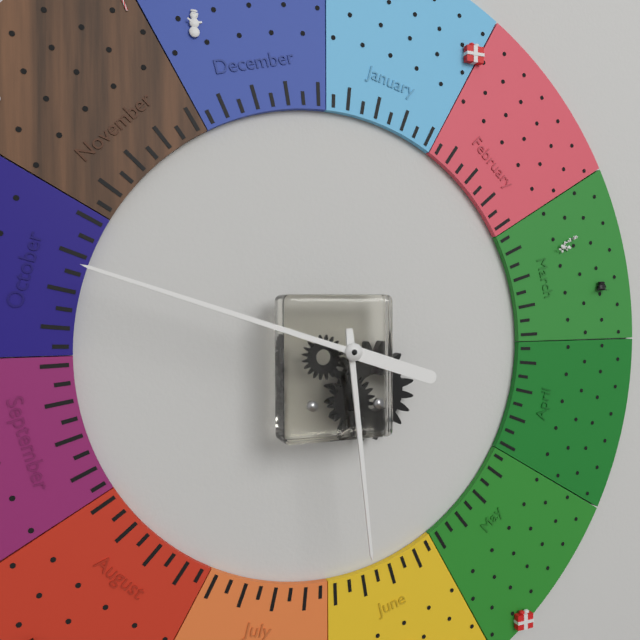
5:48
